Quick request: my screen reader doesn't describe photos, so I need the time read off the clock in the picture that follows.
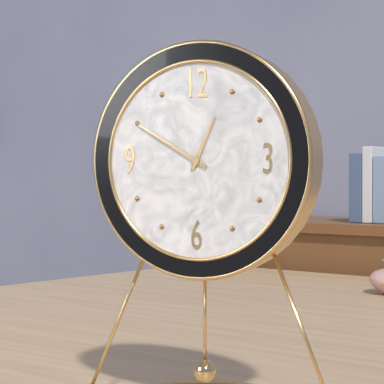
12:50
